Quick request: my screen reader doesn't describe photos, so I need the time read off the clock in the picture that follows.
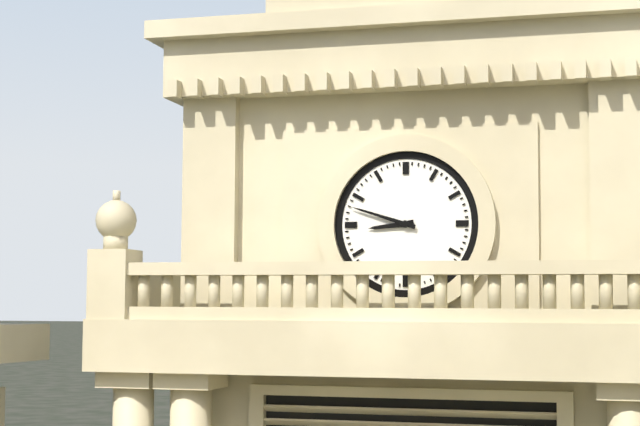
8:48
